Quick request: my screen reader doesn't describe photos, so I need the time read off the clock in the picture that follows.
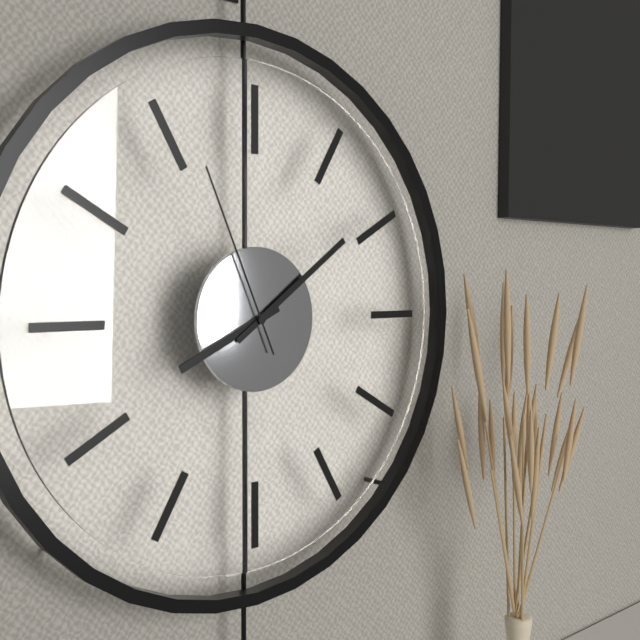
8:09:56
